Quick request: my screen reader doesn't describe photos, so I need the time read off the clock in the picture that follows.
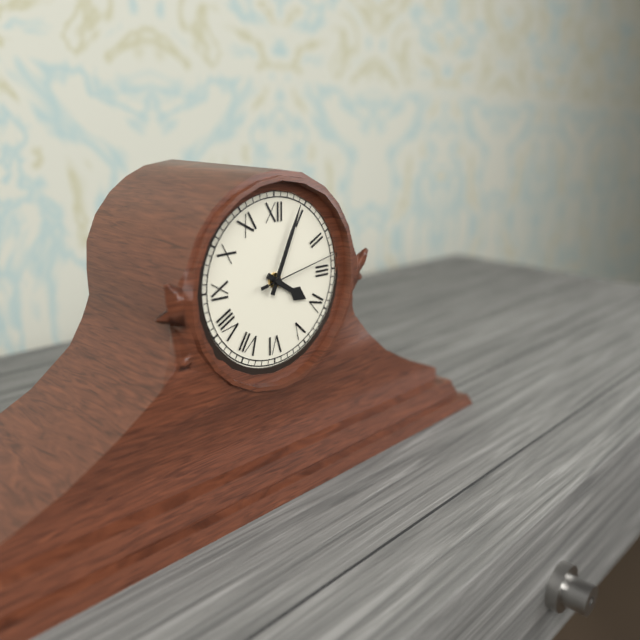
4:04:13
